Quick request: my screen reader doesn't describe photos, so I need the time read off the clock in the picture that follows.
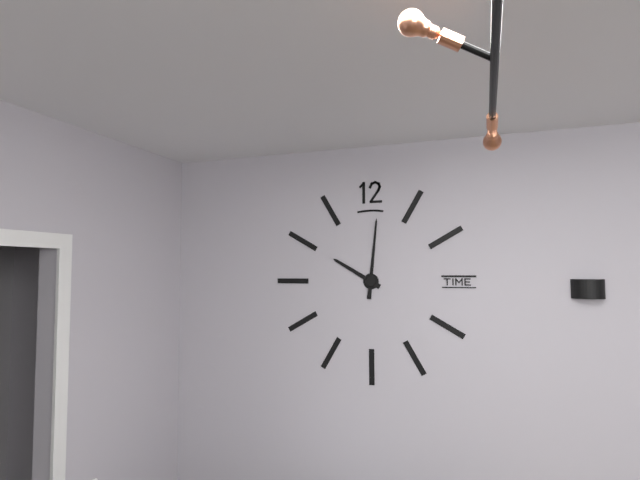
10:01
